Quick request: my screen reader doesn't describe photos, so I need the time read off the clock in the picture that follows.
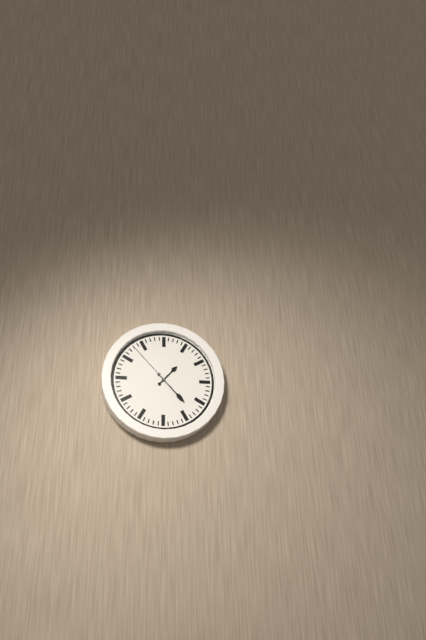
1:23:53
